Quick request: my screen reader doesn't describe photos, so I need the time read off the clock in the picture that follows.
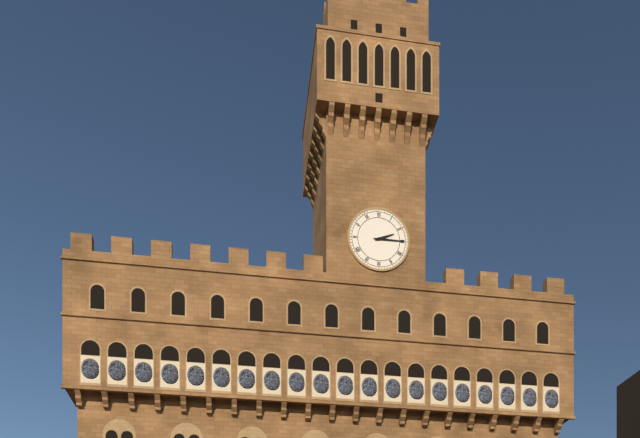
2:15
